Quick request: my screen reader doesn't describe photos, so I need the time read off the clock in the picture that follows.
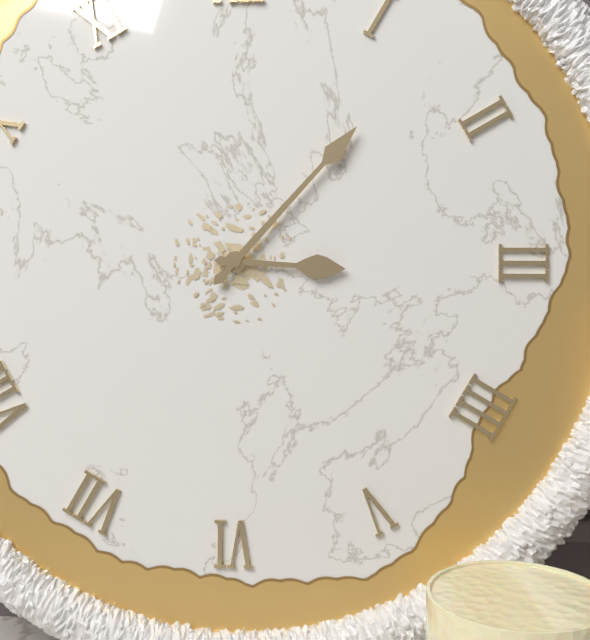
3:07
